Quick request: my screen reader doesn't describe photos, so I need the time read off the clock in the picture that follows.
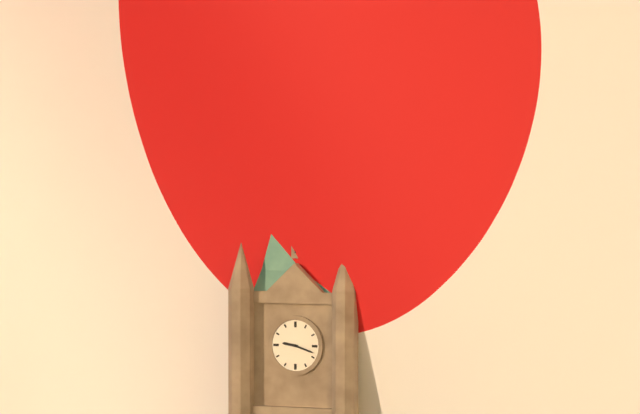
9:18
